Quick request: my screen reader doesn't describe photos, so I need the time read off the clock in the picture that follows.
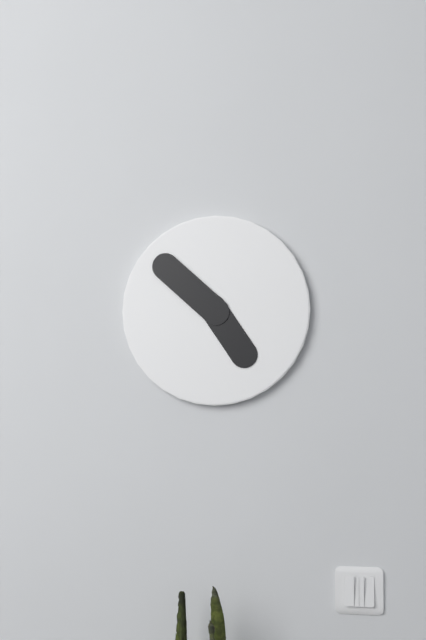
4:52
